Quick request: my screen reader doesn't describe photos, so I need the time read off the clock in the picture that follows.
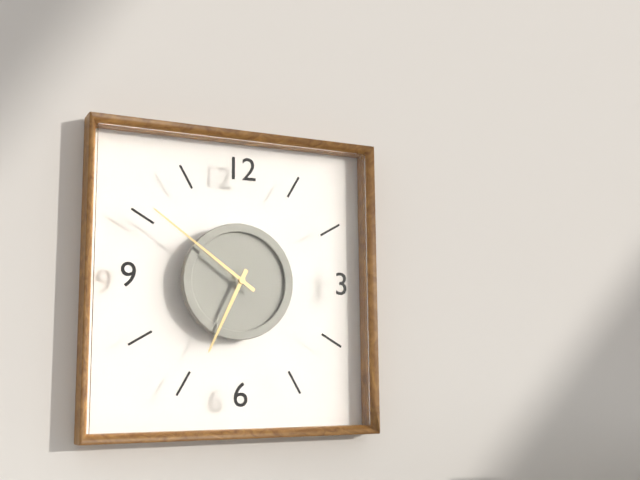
6:51
